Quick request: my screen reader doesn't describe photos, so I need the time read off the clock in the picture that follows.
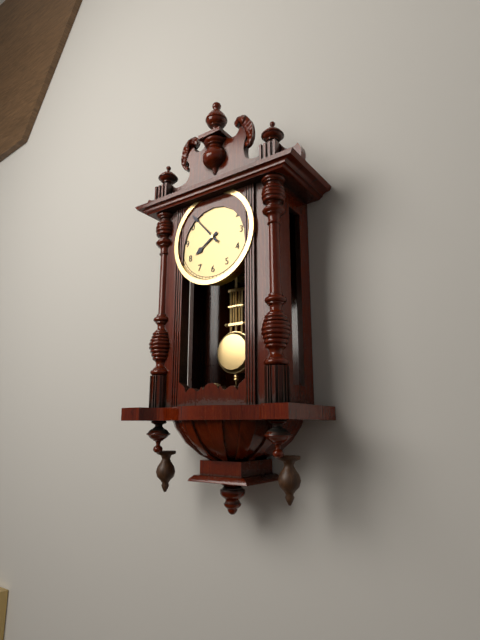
7:53
